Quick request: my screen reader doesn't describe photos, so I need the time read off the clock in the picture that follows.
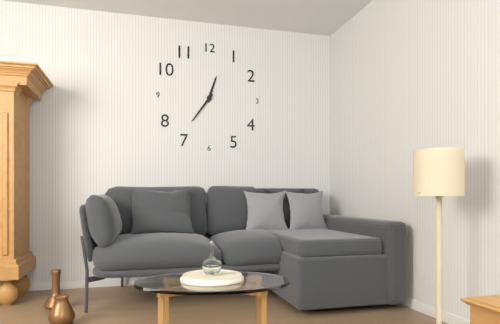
12:36
